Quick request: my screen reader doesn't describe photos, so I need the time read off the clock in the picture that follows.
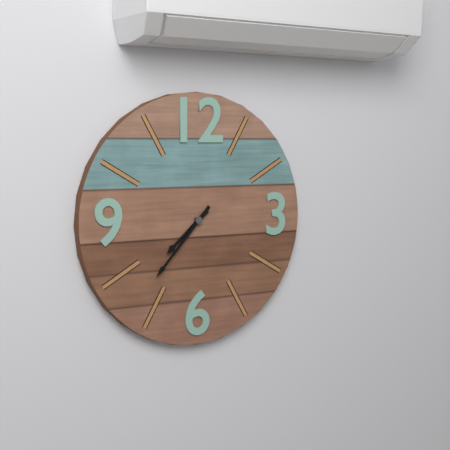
7:37
